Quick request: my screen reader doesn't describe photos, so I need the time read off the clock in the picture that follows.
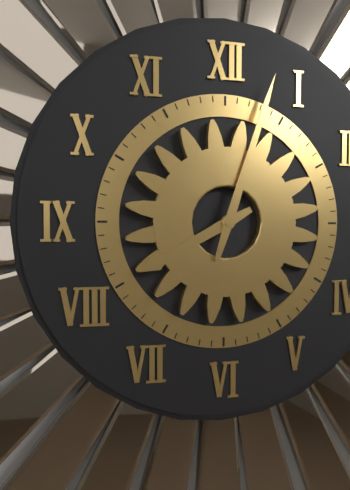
8:03
